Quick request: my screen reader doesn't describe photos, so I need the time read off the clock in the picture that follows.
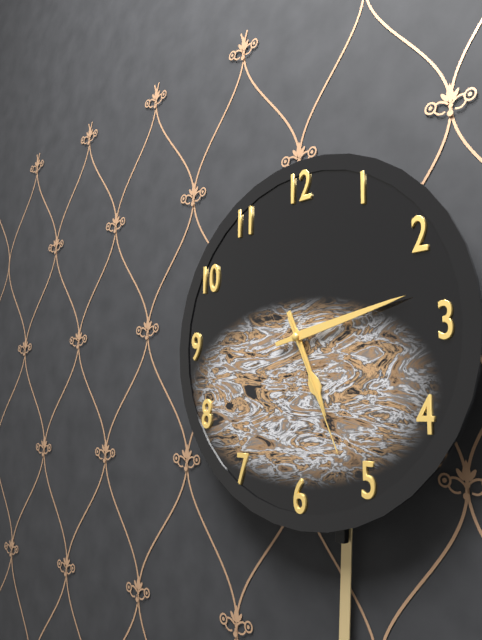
5:13:26
